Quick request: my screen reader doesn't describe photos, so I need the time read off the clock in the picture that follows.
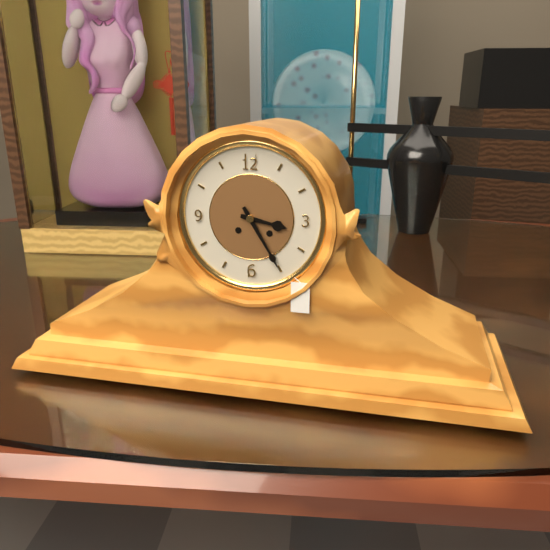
3:25
